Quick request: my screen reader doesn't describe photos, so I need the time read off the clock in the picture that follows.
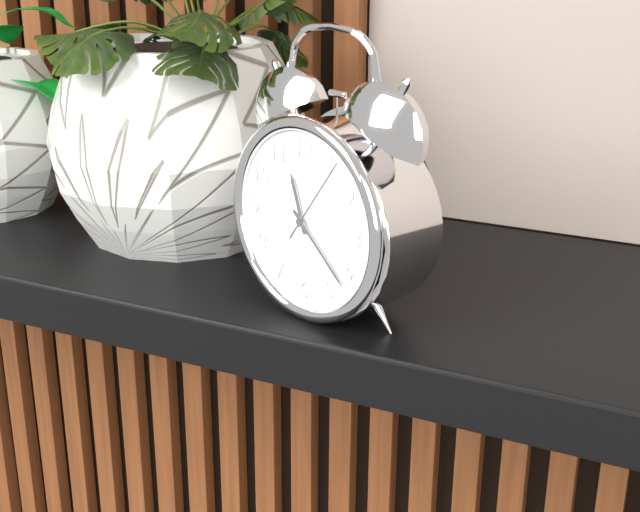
11:22:06
